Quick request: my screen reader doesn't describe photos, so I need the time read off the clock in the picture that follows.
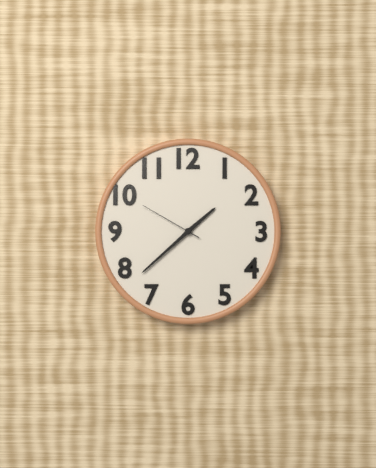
1:38:50
